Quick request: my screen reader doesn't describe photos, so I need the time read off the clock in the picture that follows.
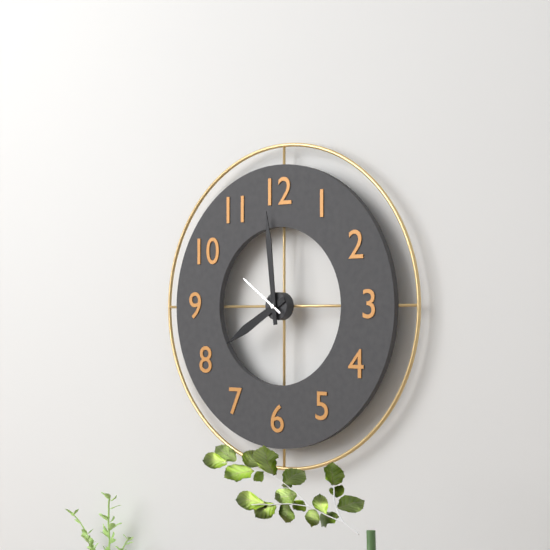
7:59:51
